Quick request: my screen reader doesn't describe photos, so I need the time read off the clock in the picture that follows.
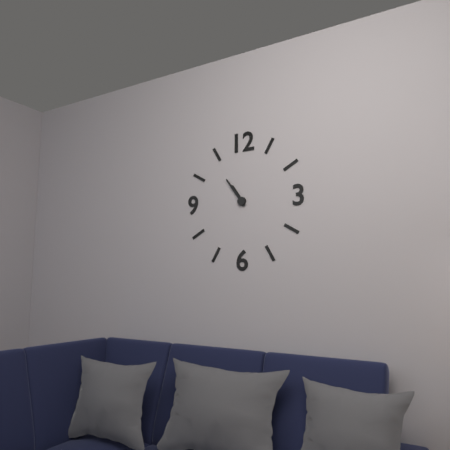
10:54
